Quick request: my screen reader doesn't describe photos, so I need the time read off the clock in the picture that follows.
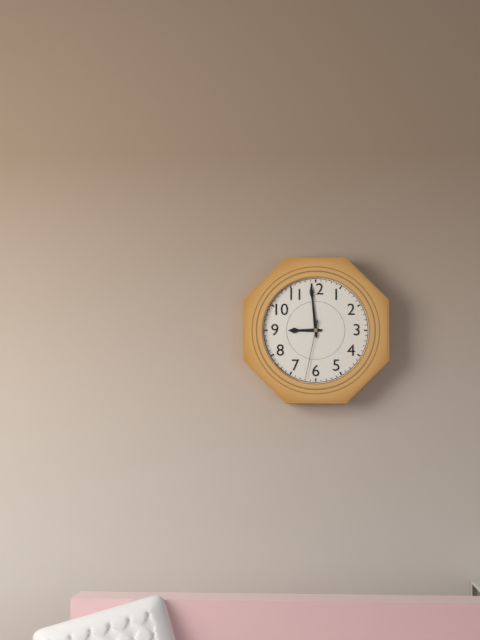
8:59:32
